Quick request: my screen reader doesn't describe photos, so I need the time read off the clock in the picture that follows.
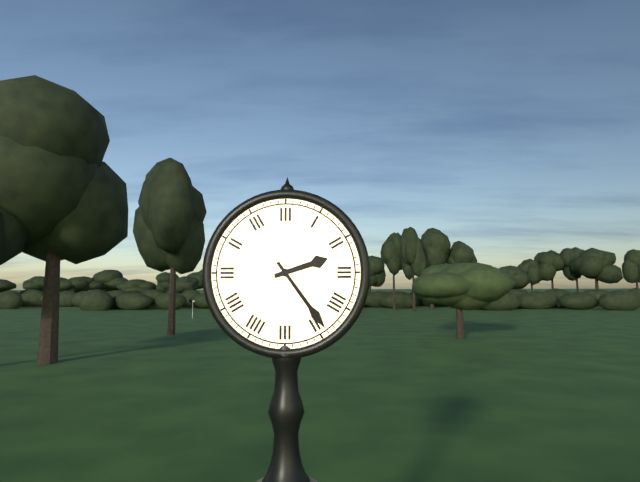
2:24
